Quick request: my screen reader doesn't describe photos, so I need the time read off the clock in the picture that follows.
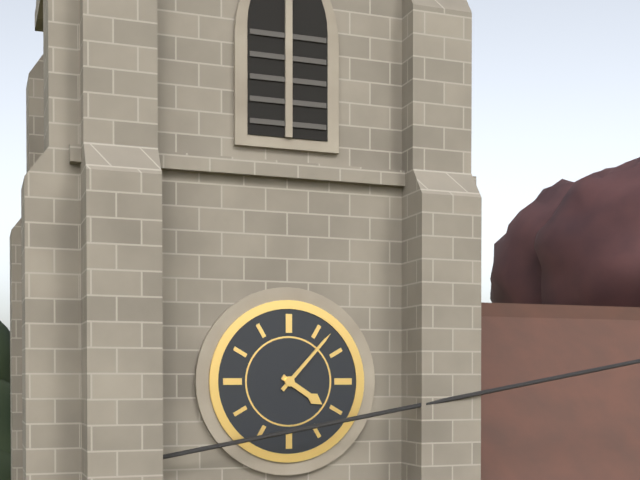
4:07
